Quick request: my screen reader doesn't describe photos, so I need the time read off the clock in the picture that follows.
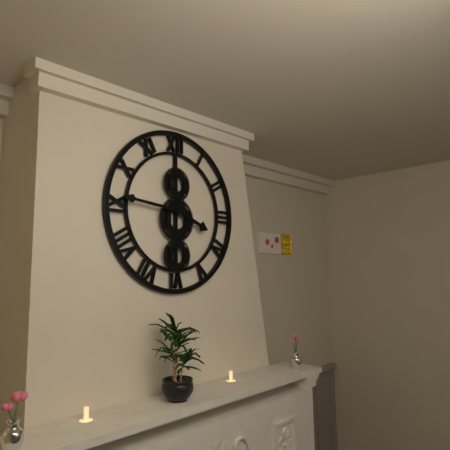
3:46
